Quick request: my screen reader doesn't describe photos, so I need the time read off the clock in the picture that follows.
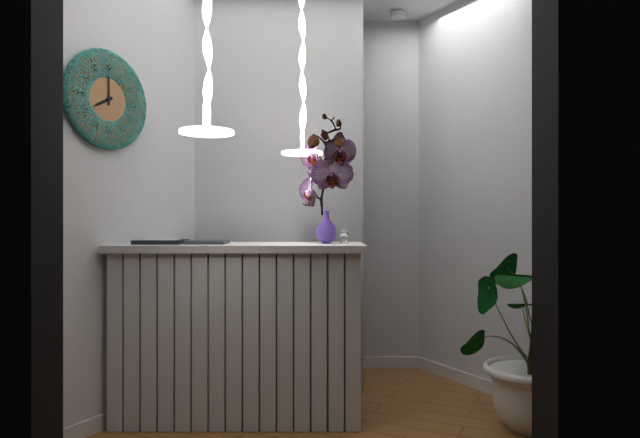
8:00
